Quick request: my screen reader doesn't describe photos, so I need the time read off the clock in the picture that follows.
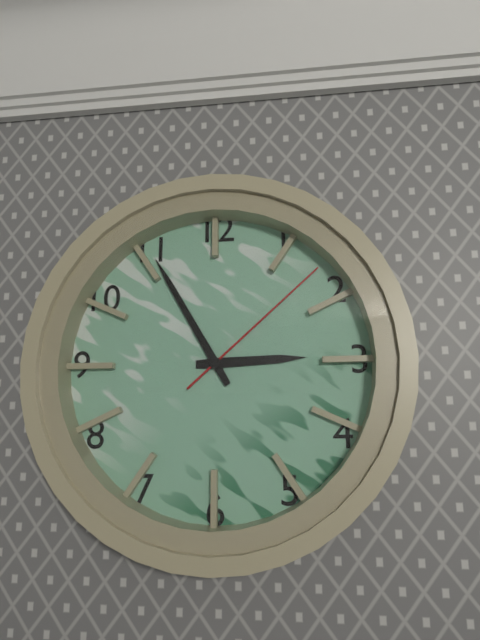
2:55:08
